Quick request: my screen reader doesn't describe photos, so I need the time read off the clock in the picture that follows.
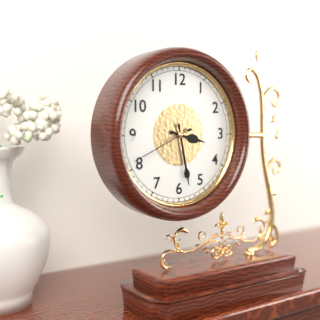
3:28:41
